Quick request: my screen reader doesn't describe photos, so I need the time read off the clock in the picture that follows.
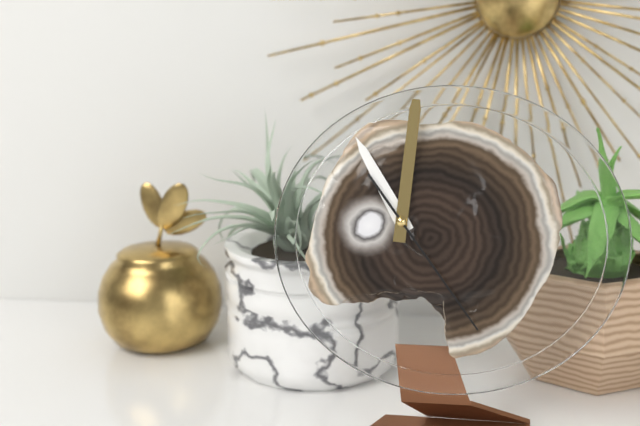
11:01:24
